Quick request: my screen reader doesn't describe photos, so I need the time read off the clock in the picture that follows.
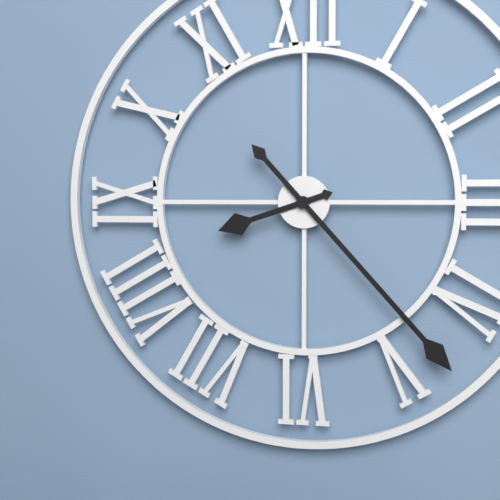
8:23
